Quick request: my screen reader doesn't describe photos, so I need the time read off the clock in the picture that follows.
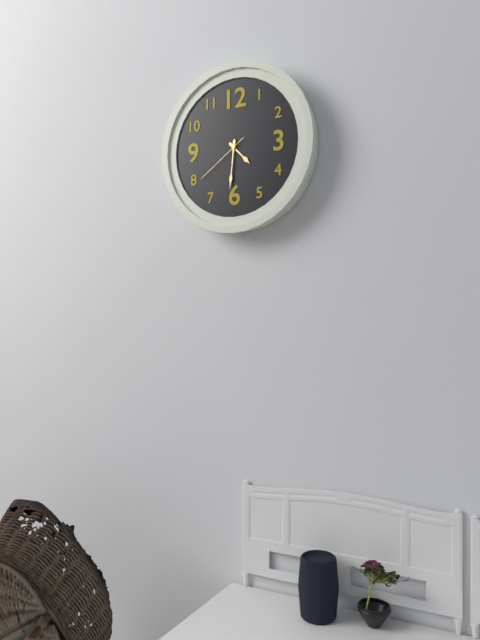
4:31:39
